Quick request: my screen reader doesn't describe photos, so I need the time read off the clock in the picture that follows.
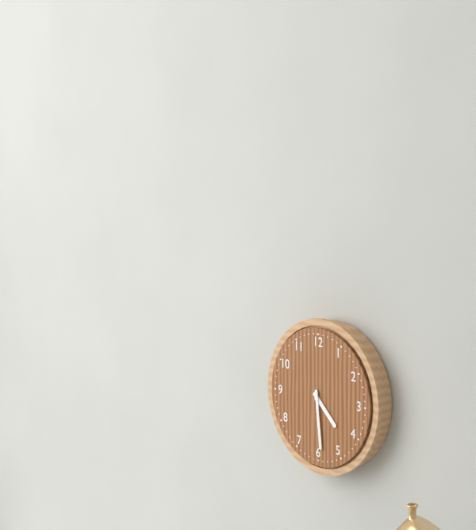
4:29
